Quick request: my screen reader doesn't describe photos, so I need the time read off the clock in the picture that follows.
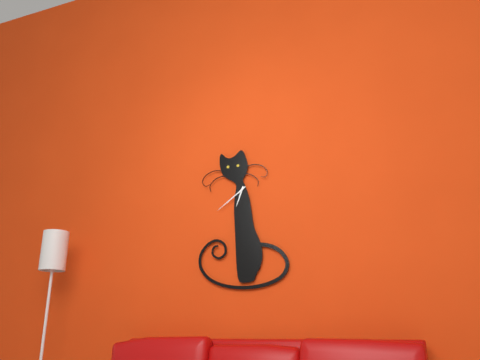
6:39
